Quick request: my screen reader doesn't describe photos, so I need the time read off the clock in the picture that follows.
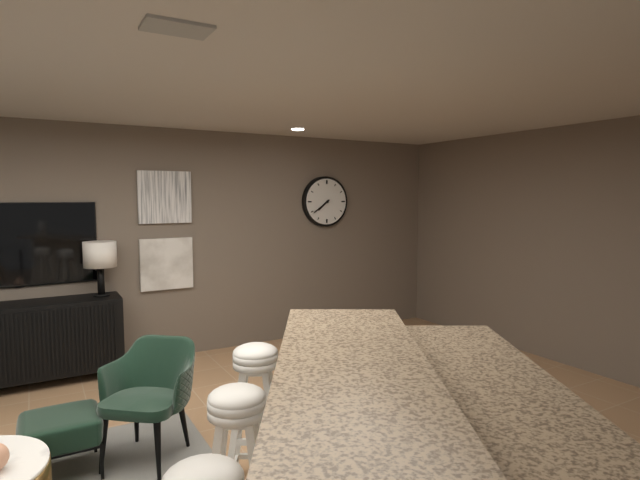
7:39
